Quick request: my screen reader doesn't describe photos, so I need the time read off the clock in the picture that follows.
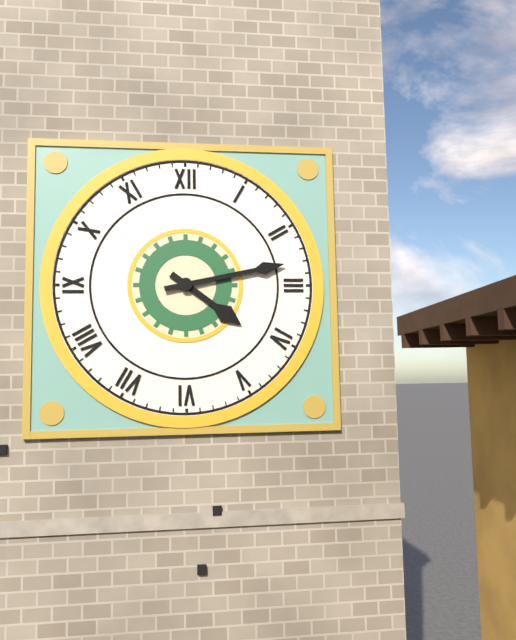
4:13
